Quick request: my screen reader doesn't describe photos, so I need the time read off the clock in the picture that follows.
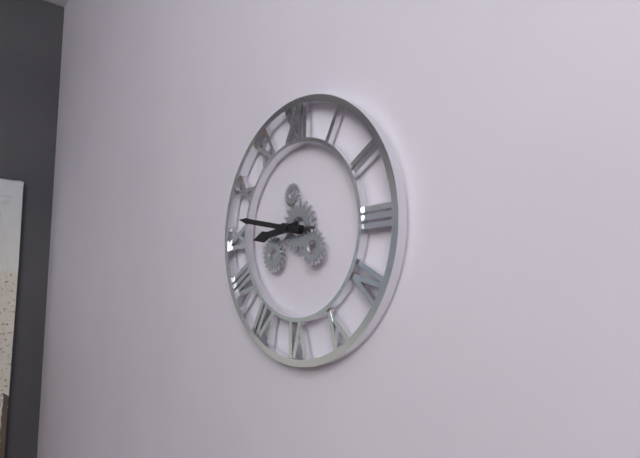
8:47
